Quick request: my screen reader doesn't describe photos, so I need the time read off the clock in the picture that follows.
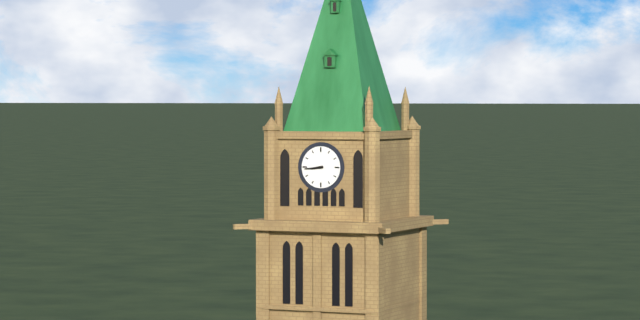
8:44
